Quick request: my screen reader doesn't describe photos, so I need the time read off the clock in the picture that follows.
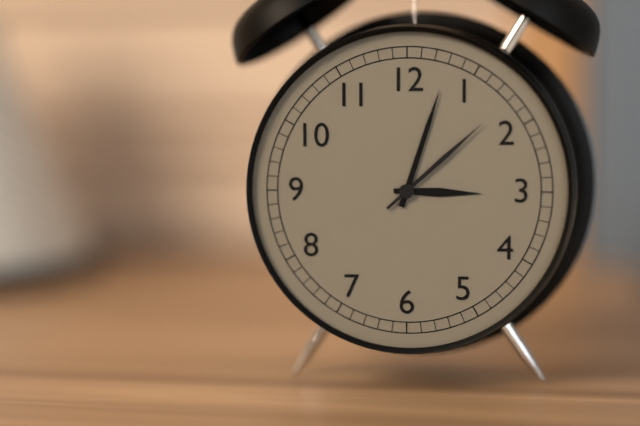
3:03:08
